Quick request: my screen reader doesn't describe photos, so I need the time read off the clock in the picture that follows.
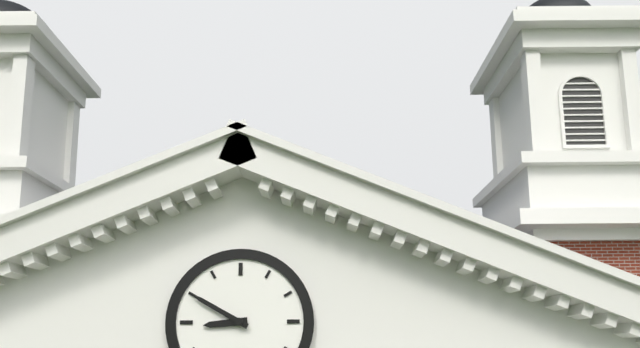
8:50
